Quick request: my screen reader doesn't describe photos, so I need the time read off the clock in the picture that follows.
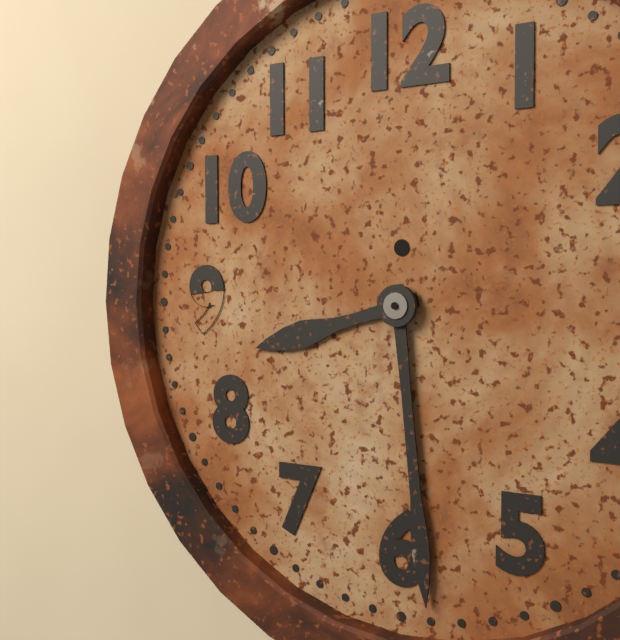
8:29
